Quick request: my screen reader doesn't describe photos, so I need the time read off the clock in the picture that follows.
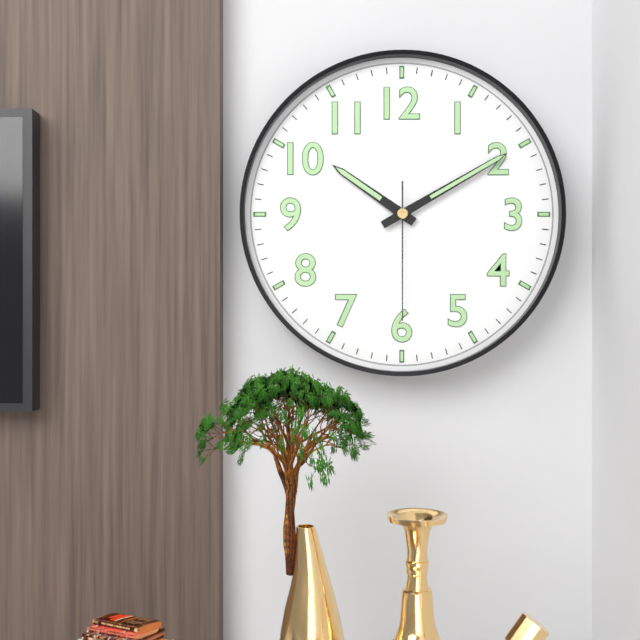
10:10:30
